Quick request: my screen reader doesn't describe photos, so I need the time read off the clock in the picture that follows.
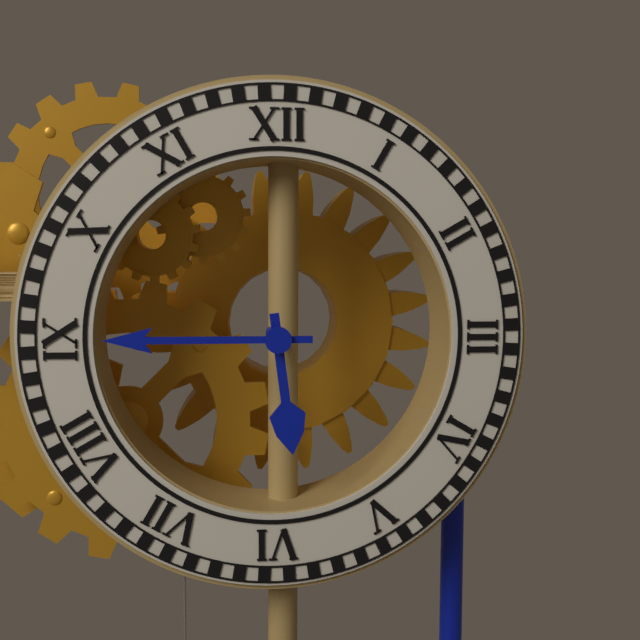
5:45
